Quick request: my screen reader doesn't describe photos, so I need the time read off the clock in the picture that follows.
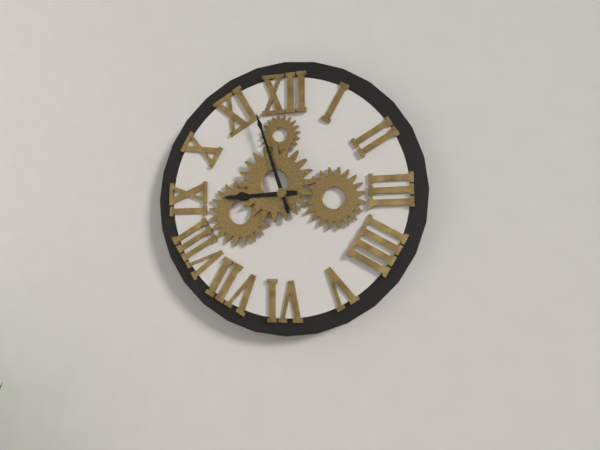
8:57
